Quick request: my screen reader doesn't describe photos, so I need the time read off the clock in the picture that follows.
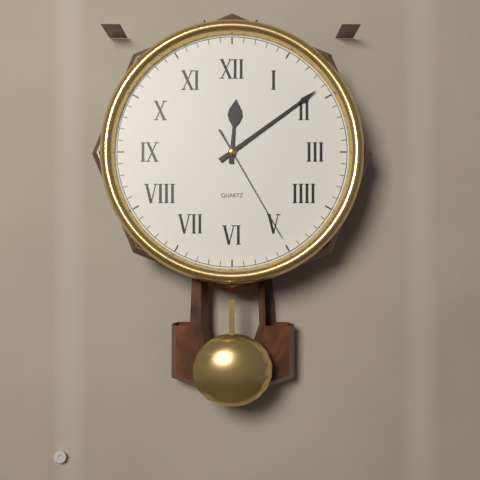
12:09:25
